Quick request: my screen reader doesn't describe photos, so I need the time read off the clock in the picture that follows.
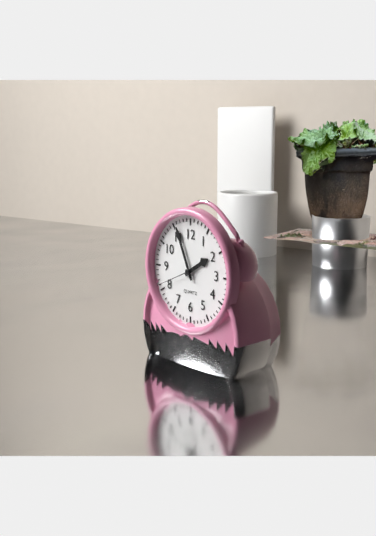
1:56
